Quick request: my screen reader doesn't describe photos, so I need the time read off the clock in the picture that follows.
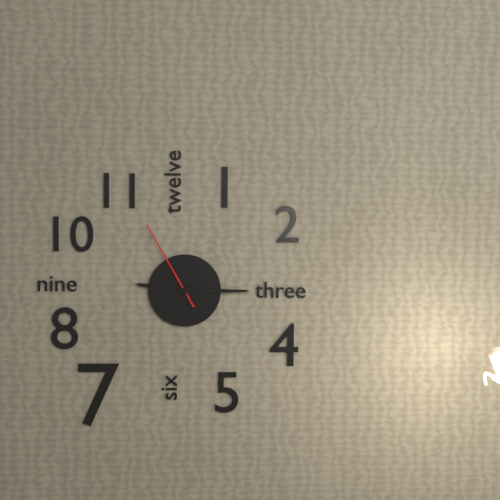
9:15:55
